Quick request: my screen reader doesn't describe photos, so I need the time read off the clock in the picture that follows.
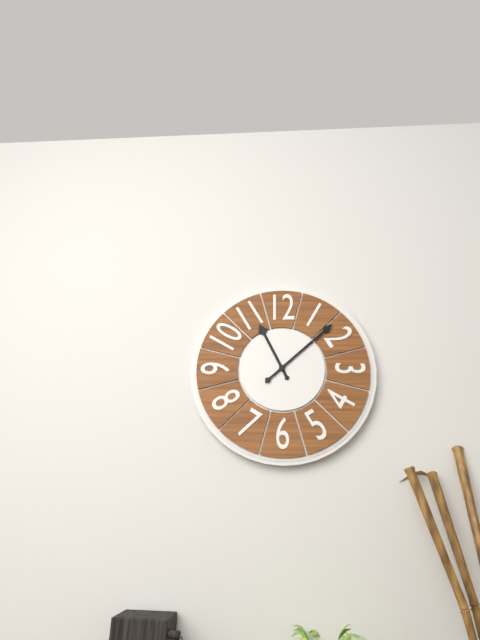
11:08
